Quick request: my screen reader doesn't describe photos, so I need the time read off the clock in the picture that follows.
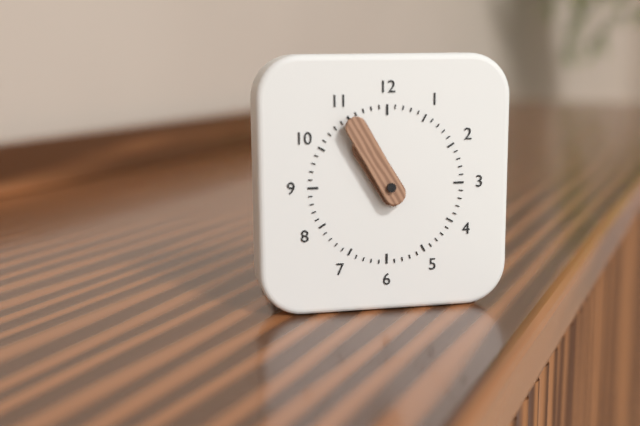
10:55
